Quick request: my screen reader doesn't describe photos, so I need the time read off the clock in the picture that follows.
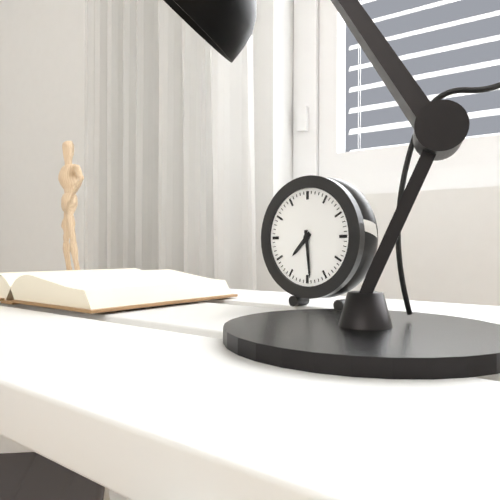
7:29
